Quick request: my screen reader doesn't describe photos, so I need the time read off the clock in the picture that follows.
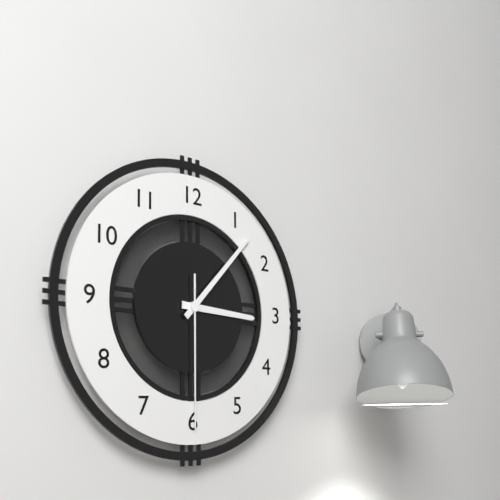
3:07:30
